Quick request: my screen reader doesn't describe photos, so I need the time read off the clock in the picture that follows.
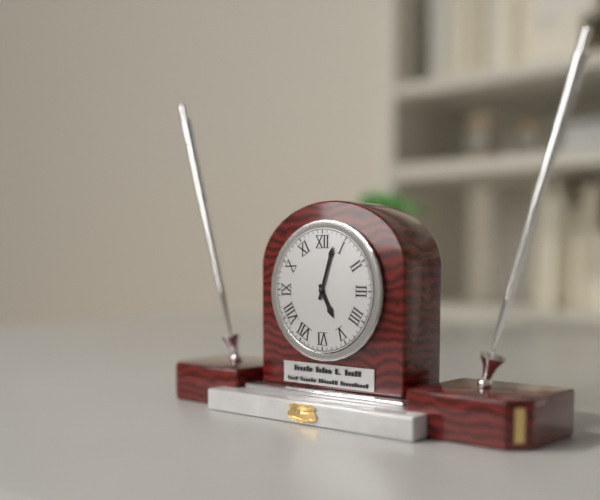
5:03
